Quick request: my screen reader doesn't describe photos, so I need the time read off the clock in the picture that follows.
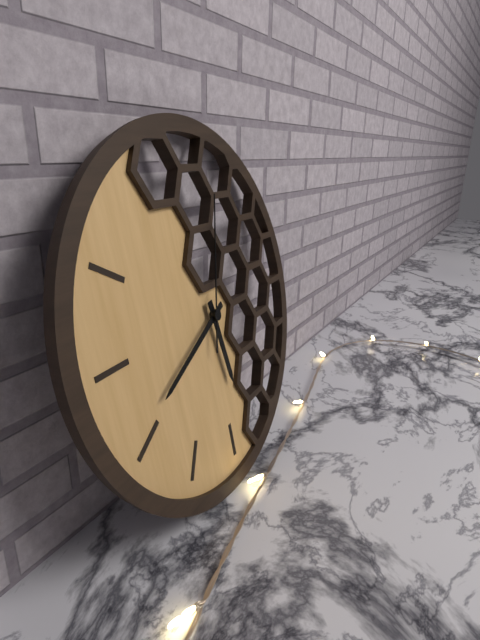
5:41:03
